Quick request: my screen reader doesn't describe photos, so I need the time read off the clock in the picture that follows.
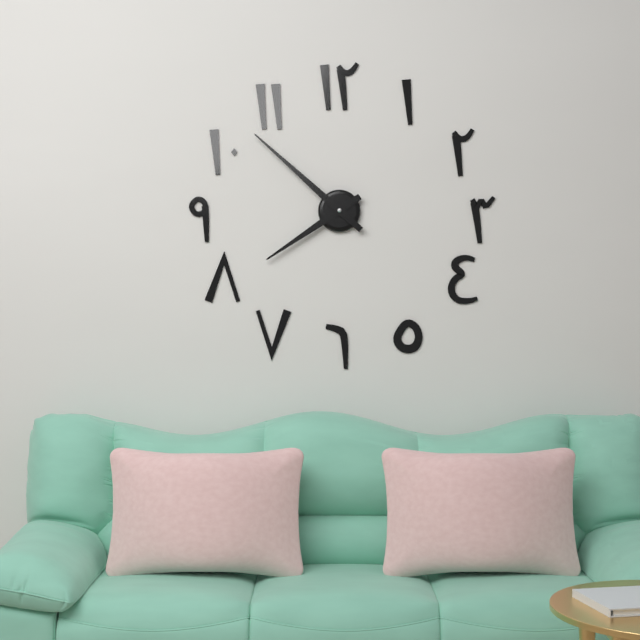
7:52
